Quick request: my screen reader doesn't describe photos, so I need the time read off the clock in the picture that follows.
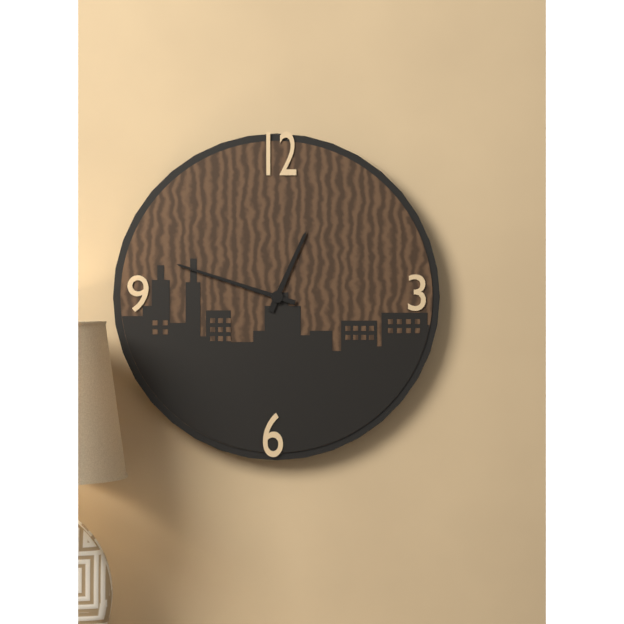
12:48
